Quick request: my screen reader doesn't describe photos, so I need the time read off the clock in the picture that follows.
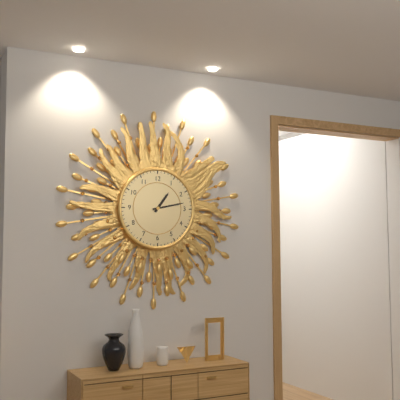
1:13
